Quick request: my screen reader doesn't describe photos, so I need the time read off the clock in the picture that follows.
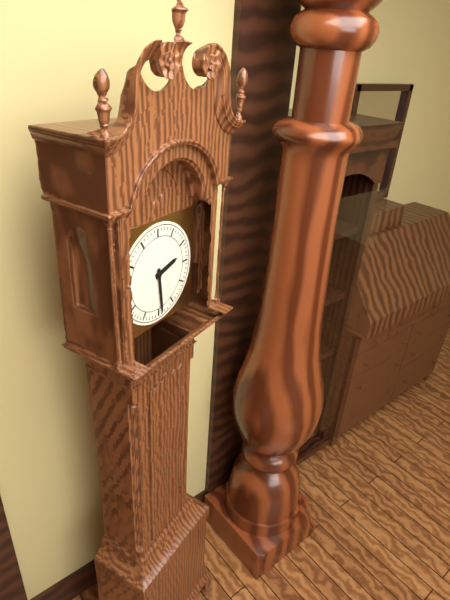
2:29
